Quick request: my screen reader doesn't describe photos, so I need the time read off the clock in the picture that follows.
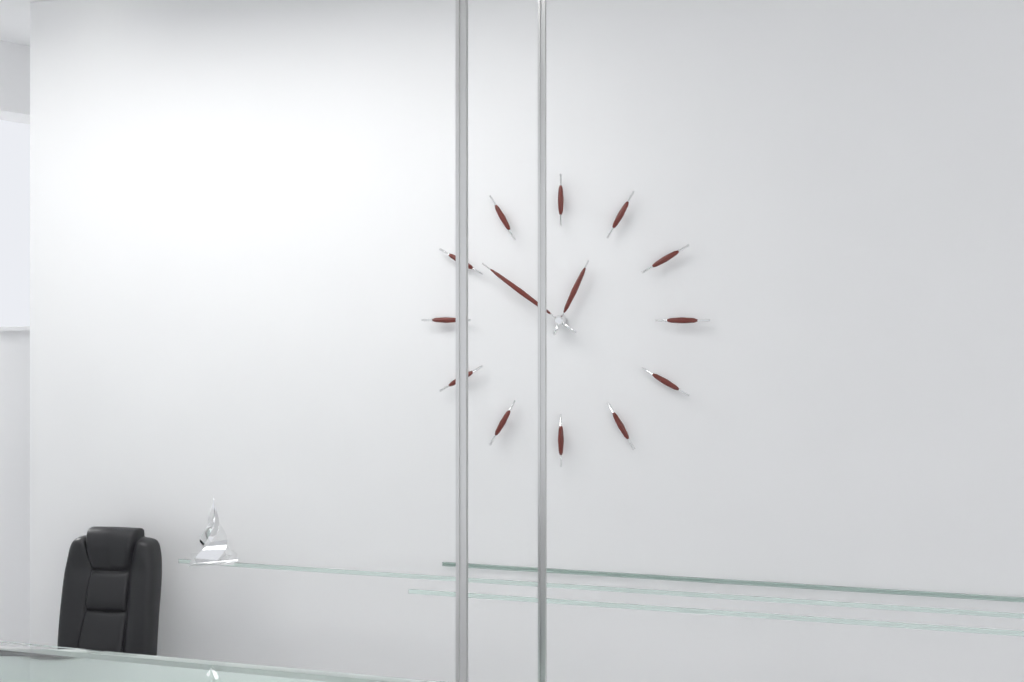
12:51
